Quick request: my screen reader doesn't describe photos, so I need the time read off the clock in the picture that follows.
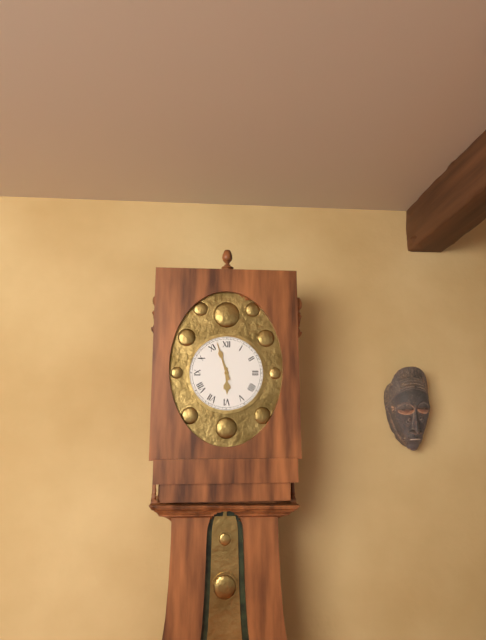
5:57
